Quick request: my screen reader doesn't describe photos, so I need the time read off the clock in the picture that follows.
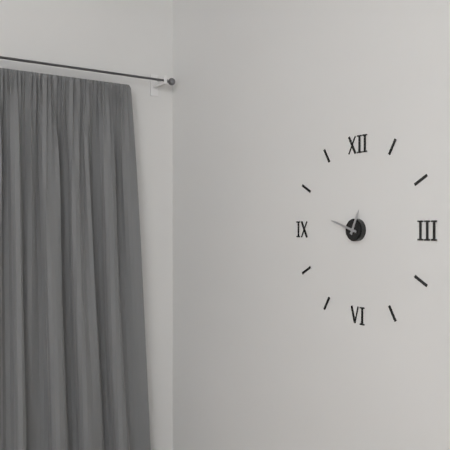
12:48
